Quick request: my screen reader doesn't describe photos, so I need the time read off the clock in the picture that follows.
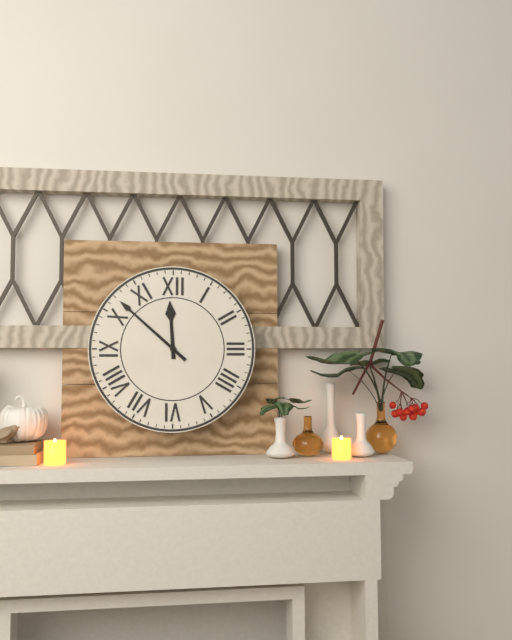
11:52
